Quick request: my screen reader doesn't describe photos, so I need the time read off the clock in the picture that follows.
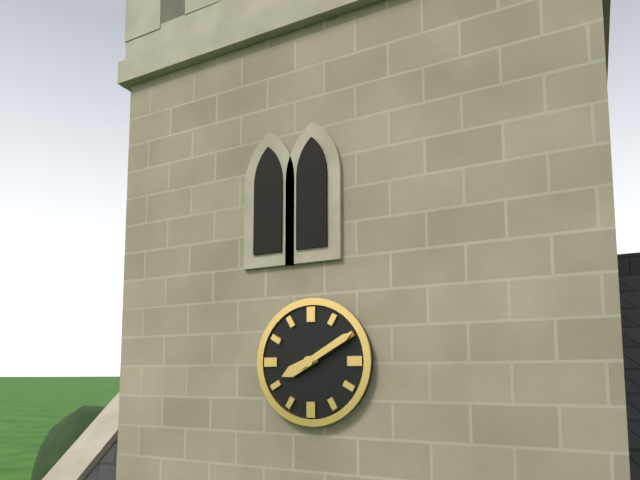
8:10
